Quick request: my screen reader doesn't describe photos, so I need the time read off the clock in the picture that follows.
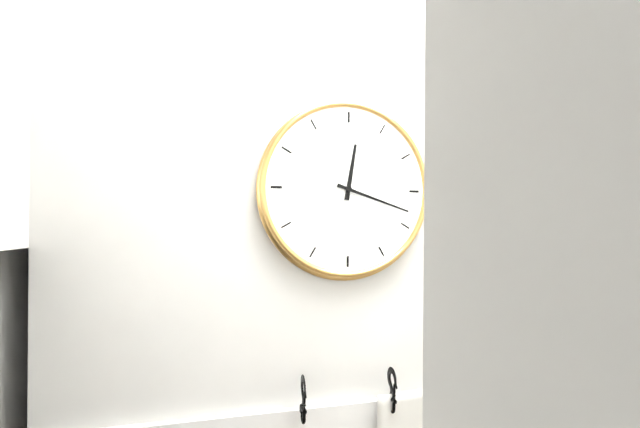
12:18
